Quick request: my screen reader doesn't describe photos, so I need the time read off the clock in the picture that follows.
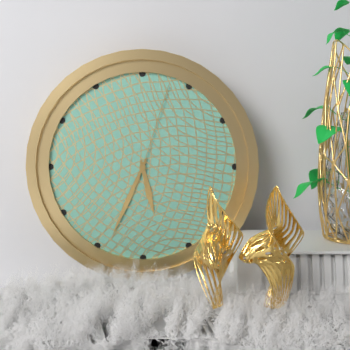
5:34:03
